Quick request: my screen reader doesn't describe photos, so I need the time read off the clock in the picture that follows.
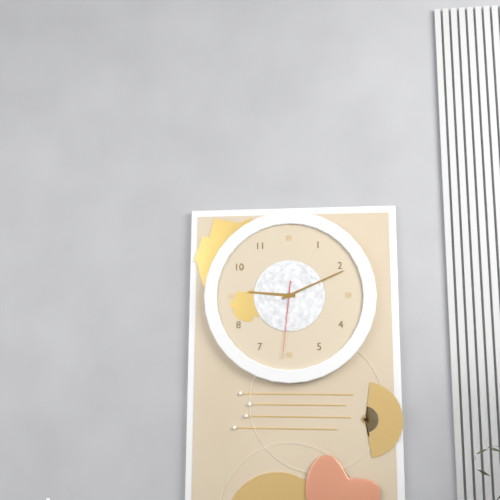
9:11:31
